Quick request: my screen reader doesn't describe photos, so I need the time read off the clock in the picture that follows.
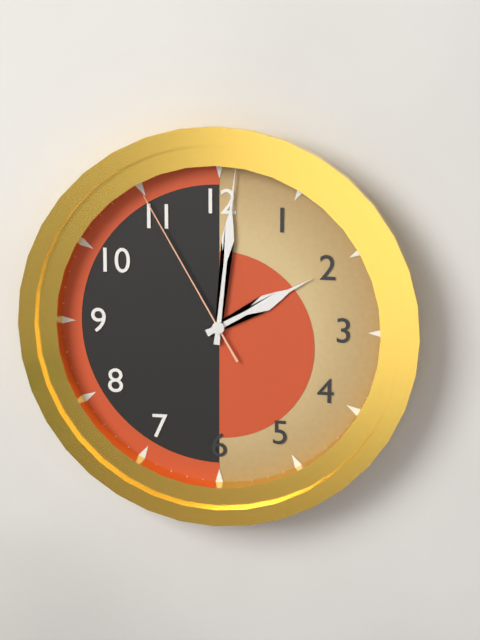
2:01:55
